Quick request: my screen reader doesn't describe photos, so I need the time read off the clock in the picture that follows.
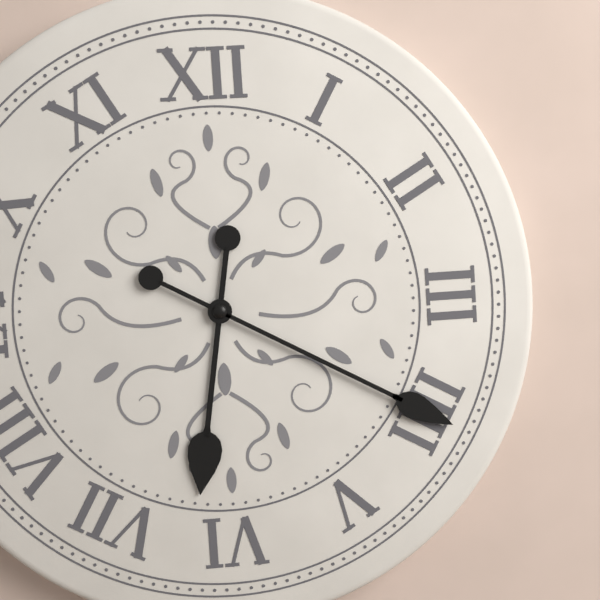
6:20
